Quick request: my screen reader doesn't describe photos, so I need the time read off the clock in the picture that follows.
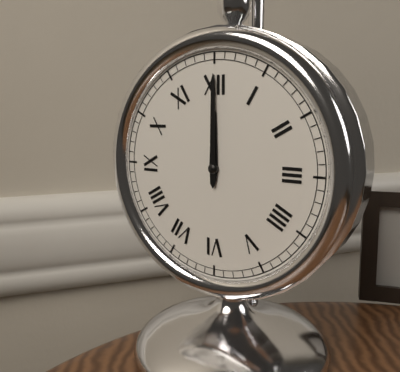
12:00
